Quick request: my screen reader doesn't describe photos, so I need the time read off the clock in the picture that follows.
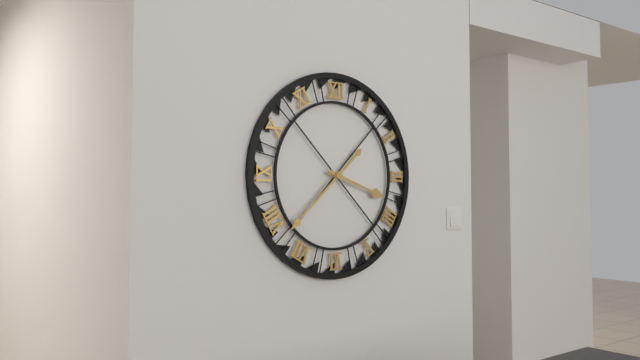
3:38
